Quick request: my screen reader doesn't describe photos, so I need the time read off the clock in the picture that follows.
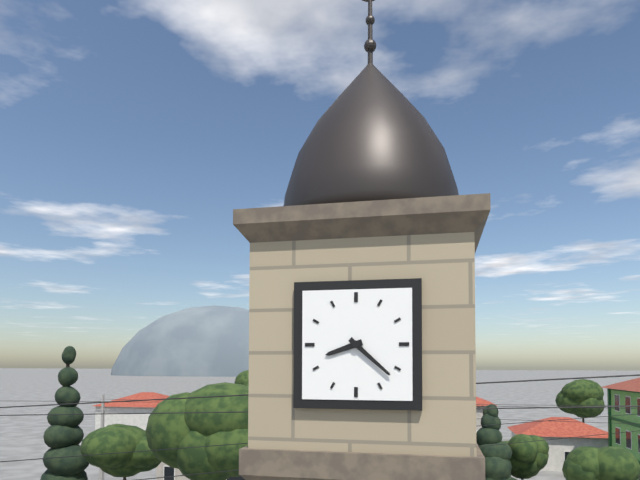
8:22
